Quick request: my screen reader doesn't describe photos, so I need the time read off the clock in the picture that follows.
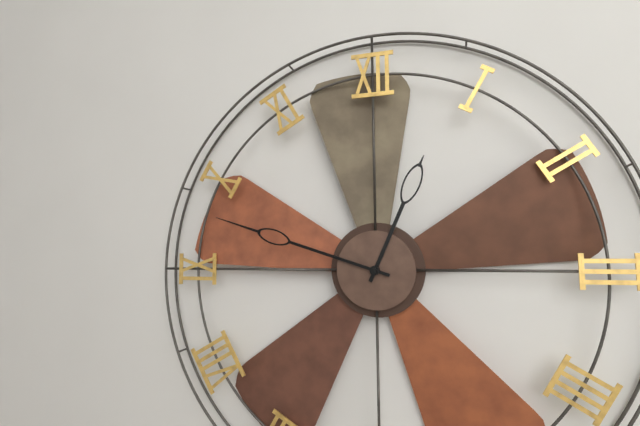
12:48
